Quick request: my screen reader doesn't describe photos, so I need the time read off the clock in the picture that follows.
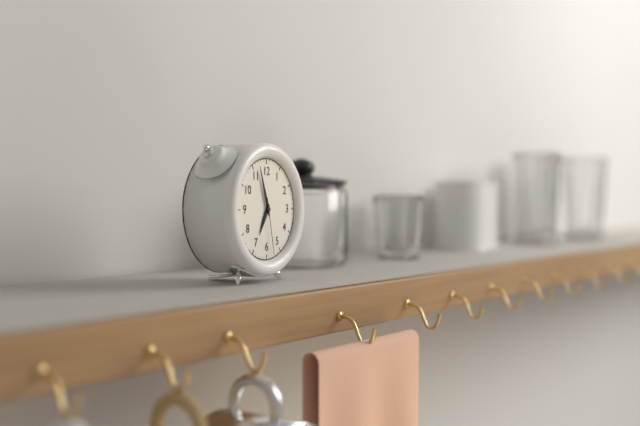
6:57:28
